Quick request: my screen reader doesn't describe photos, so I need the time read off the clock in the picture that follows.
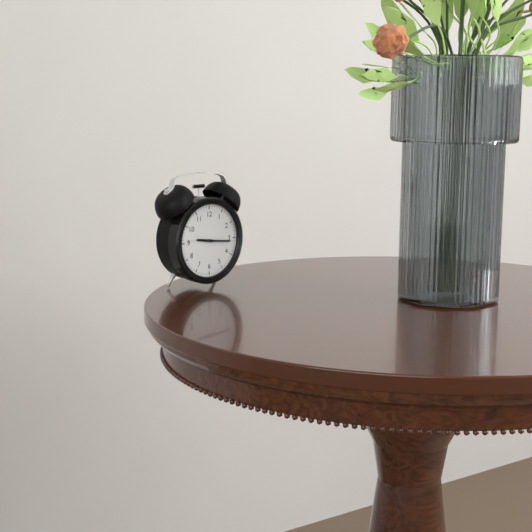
9:16
